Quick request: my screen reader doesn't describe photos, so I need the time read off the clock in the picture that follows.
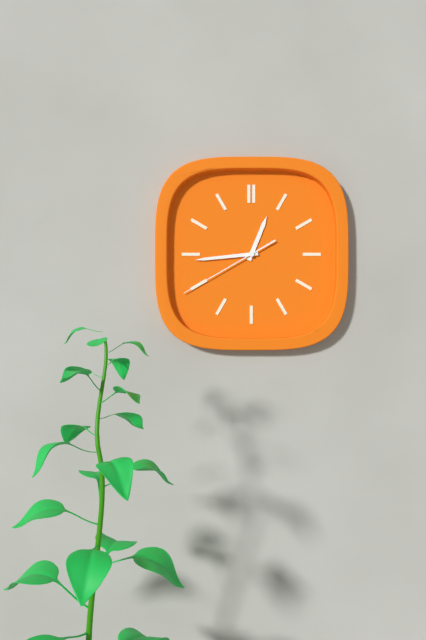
12:44:40
